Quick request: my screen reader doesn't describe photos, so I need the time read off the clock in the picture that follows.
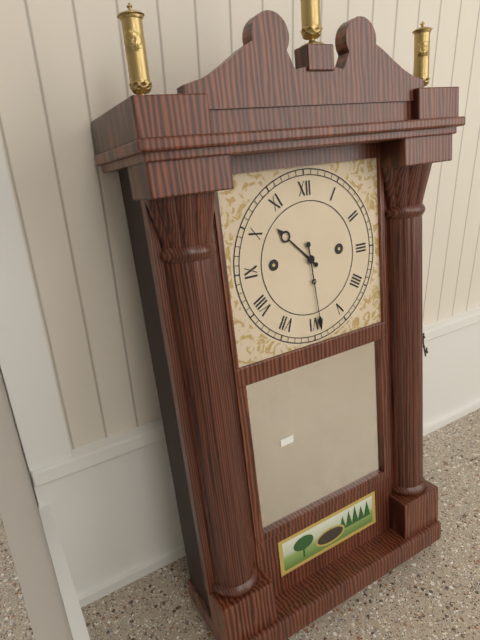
10:29
